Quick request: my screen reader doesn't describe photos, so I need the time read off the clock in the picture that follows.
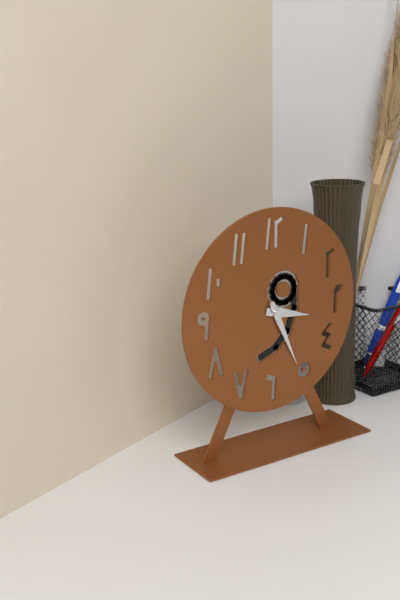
3:26
